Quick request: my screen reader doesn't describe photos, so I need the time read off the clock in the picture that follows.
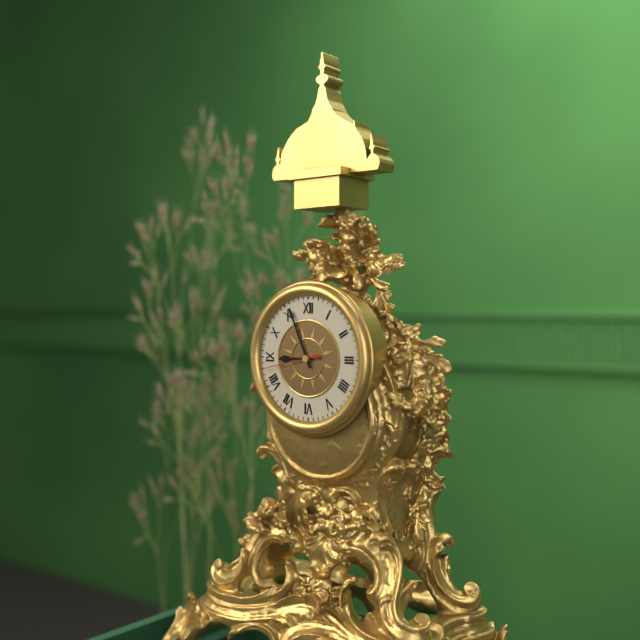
8:56:43
